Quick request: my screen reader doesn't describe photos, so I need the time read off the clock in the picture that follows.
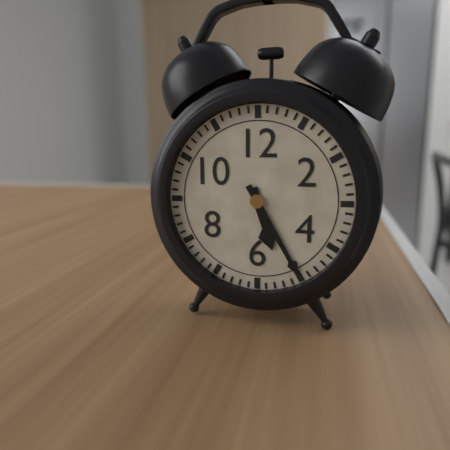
5:25
